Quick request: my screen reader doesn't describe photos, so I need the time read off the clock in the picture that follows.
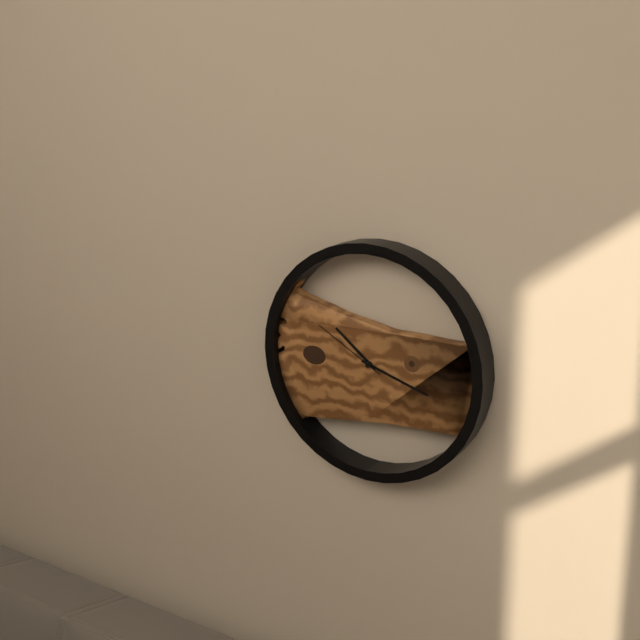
10:18:50
